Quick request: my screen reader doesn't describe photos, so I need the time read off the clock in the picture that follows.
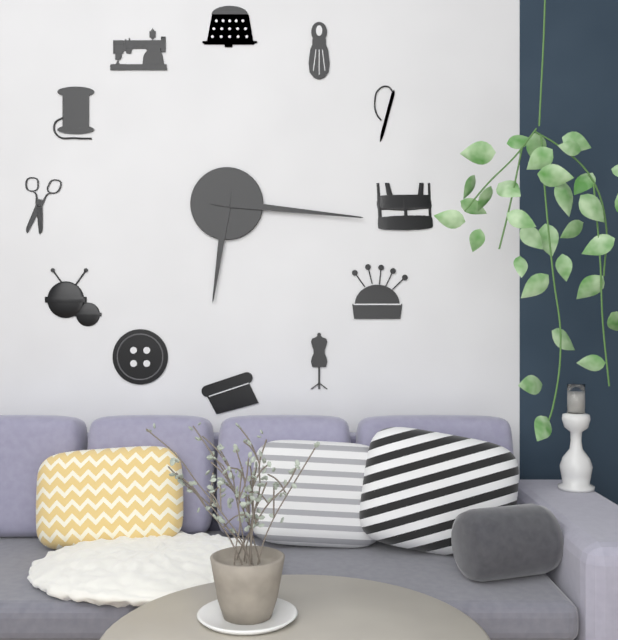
6:16
